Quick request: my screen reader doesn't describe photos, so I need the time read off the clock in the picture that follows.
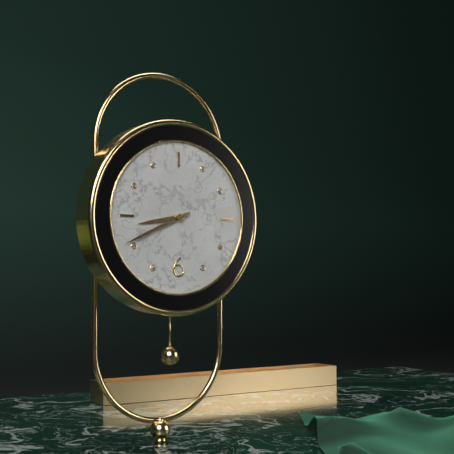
8:41
